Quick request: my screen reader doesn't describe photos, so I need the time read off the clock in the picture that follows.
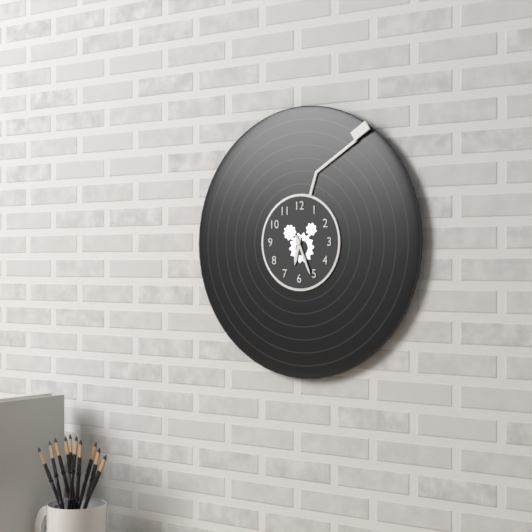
6:26
